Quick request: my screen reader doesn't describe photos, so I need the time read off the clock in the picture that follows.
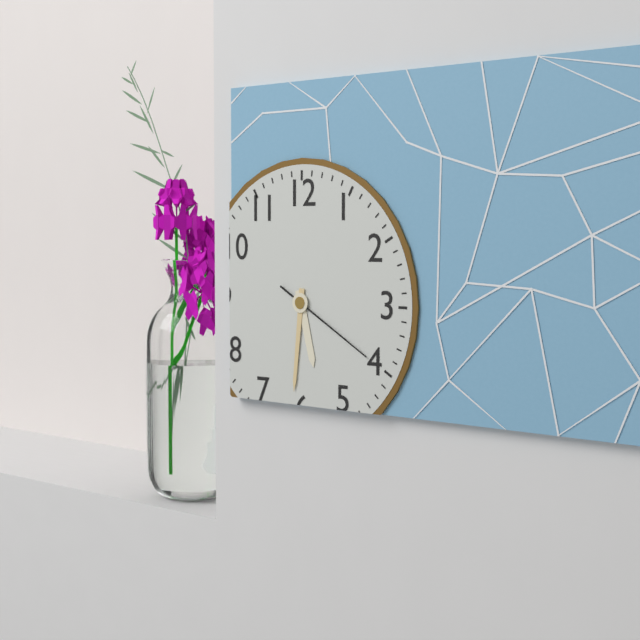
5:31:20
